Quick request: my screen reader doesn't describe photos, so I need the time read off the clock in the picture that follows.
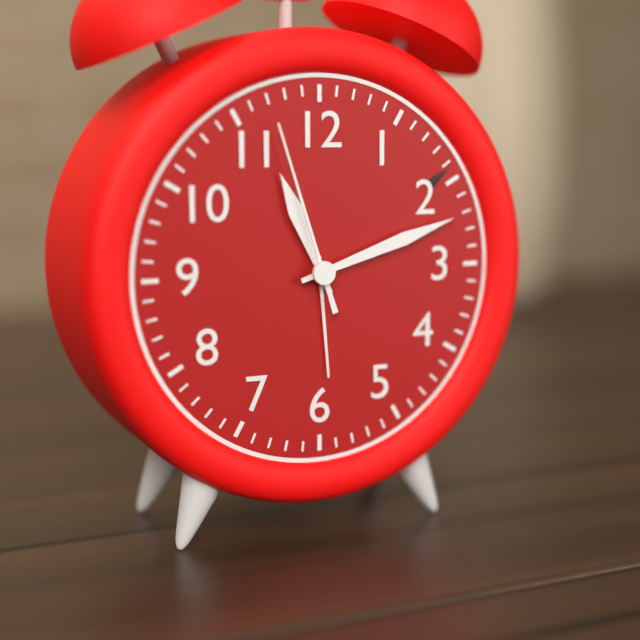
11:12:57
